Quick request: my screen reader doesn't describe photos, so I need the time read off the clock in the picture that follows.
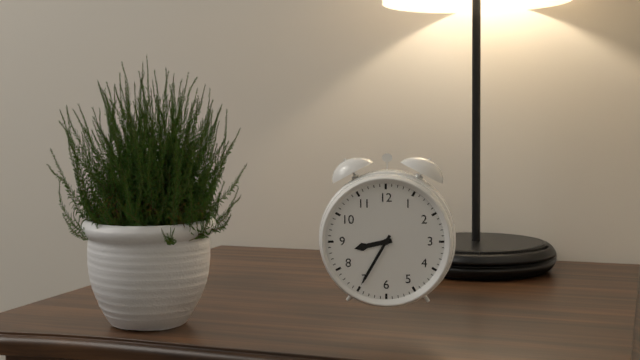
8:35
